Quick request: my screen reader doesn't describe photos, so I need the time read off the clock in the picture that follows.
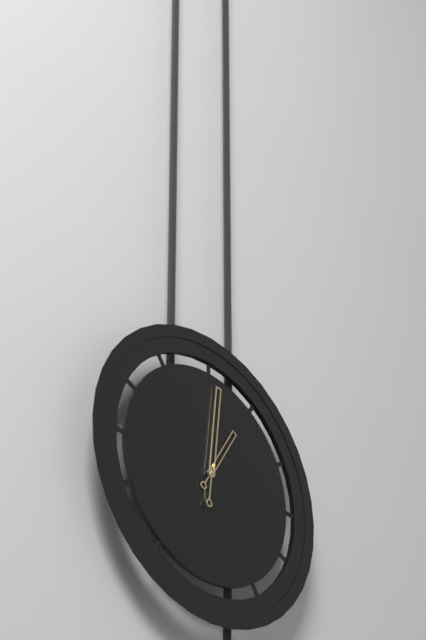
1:01
